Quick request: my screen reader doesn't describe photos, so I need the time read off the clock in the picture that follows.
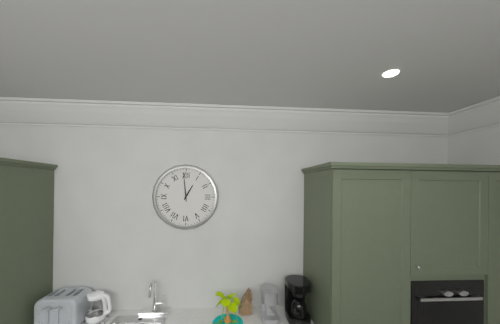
12:59
